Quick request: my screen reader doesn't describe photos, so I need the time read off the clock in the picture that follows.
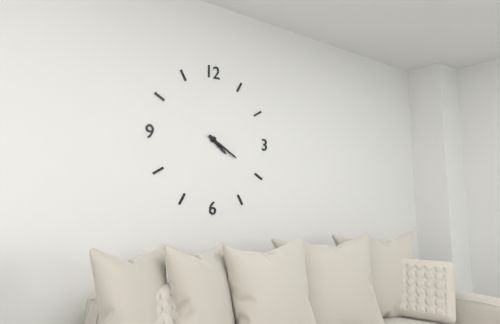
4:20
